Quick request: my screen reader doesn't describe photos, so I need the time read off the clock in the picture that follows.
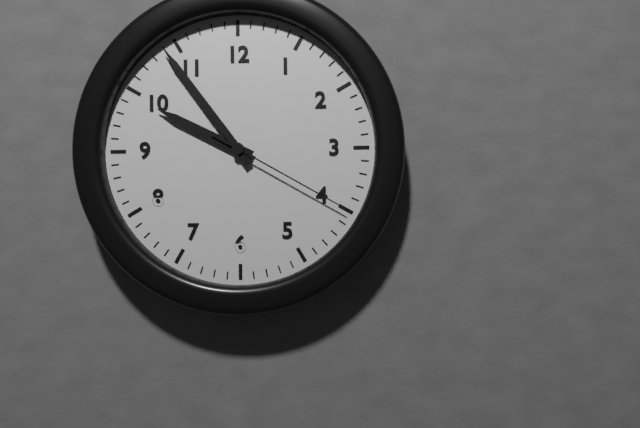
9:54:20
